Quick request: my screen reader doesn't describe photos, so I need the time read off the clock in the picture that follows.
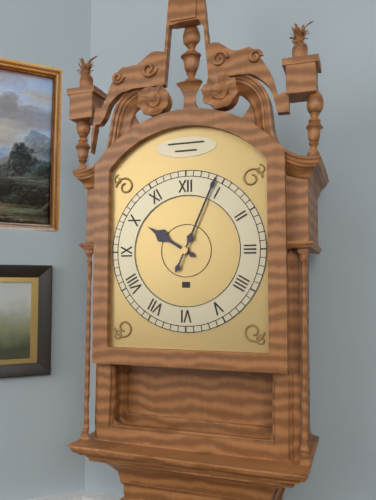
10:04
